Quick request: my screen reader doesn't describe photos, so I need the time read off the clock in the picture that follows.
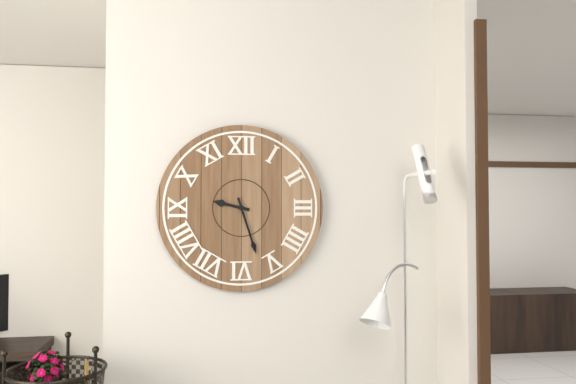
9:27
